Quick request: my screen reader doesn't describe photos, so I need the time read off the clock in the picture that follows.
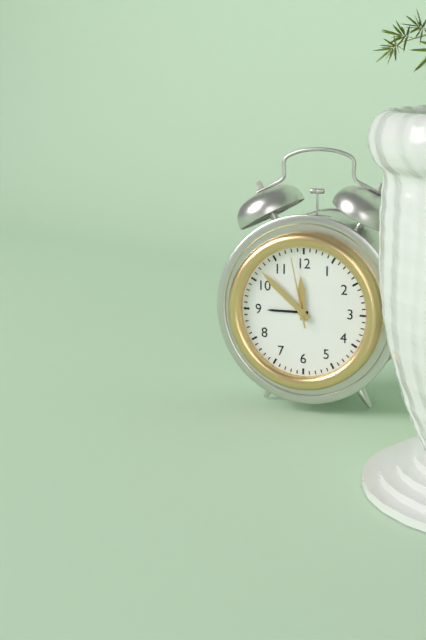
11:52:58
